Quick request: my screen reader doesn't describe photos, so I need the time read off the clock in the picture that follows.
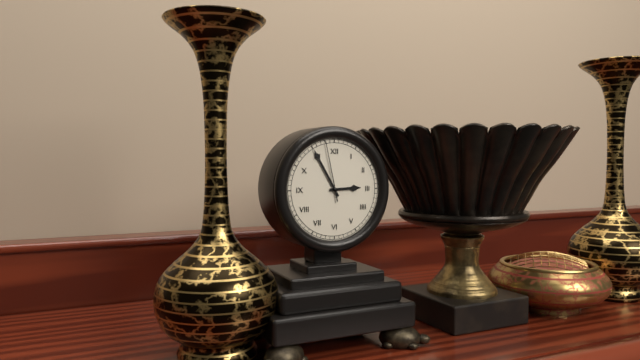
2:55:58
